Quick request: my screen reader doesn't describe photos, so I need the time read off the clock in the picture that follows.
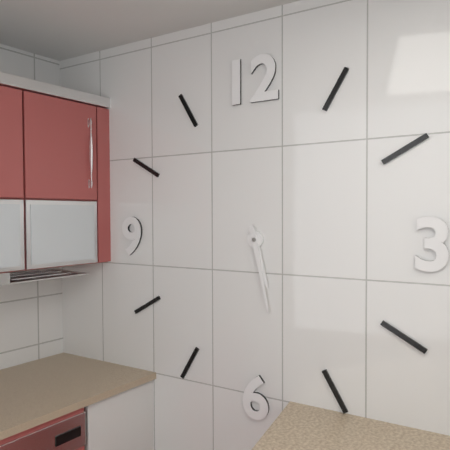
5:28
